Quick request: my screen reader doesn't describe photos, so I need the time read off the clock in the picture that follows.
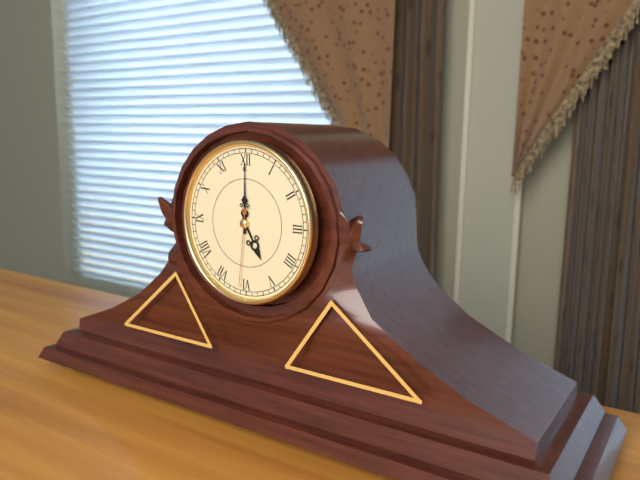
5:00:31
